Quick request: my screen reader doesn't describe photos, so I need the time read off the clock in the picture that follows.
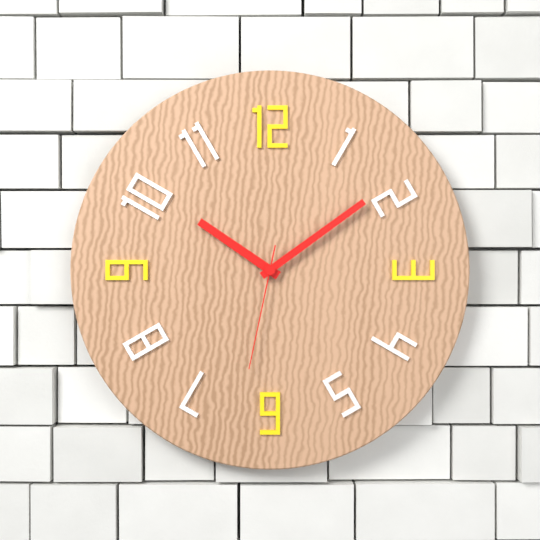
10:09:32
